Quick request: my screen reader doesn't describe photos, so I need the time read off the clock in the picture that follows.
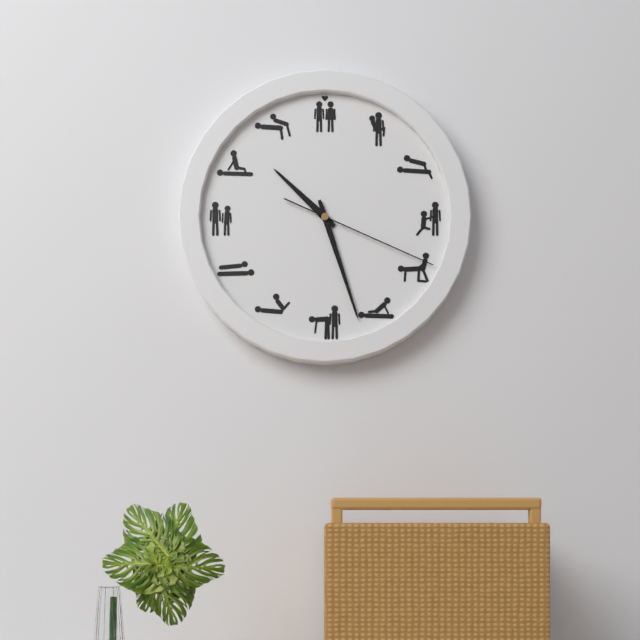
10:27:19
